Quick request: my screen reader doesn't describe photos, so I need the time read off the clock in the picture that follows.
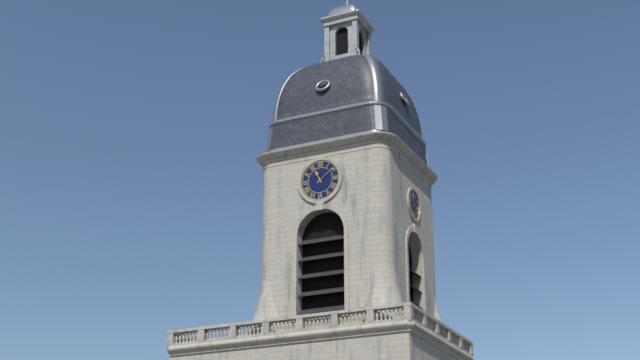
11:09
